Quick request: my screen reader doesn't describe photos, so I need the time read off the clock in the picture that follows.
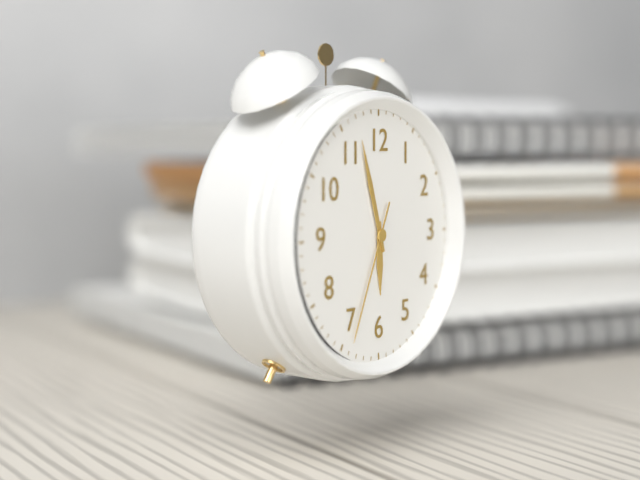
5:57:34
